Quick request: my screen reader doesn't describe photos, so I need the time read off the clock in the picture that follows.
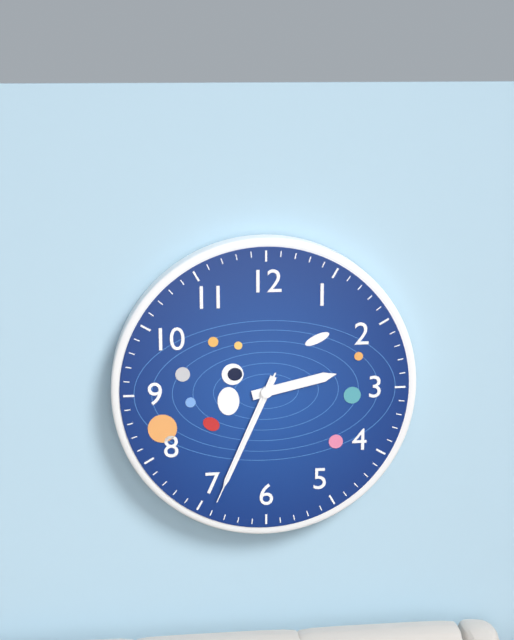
2:34:34
